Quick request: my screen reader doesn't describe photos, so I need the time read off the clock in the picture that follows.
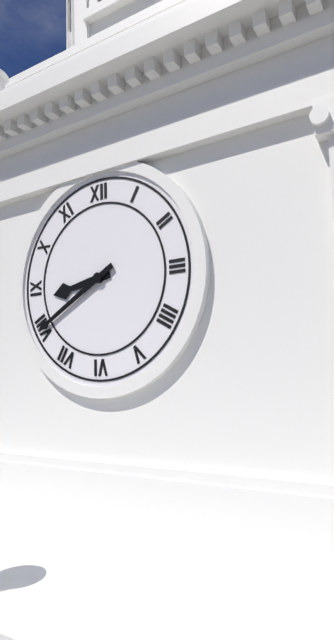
8:40
